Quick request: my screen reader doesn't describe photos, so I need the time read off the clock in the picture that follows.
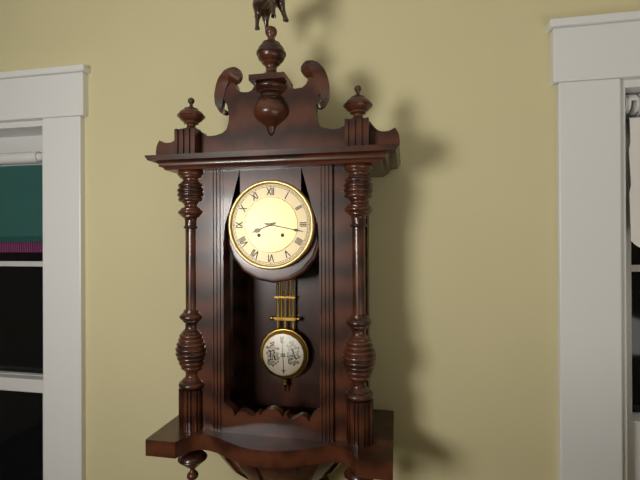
8:17
